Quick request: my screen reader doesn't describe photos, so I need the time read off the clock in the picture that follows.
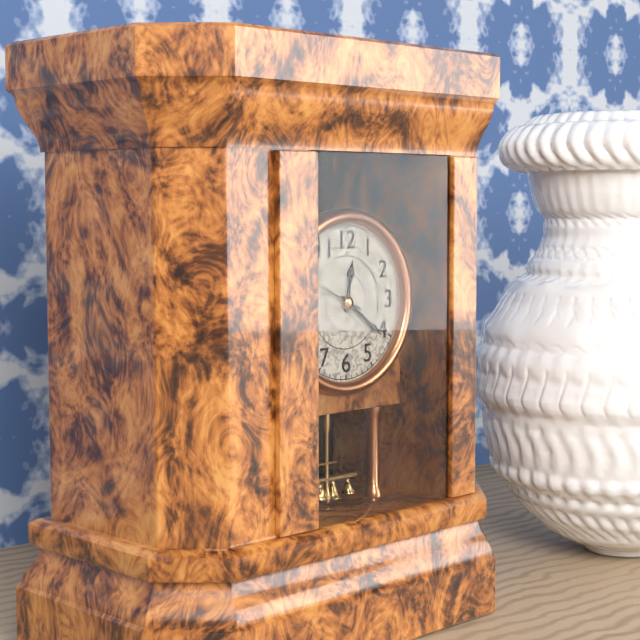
12:21
